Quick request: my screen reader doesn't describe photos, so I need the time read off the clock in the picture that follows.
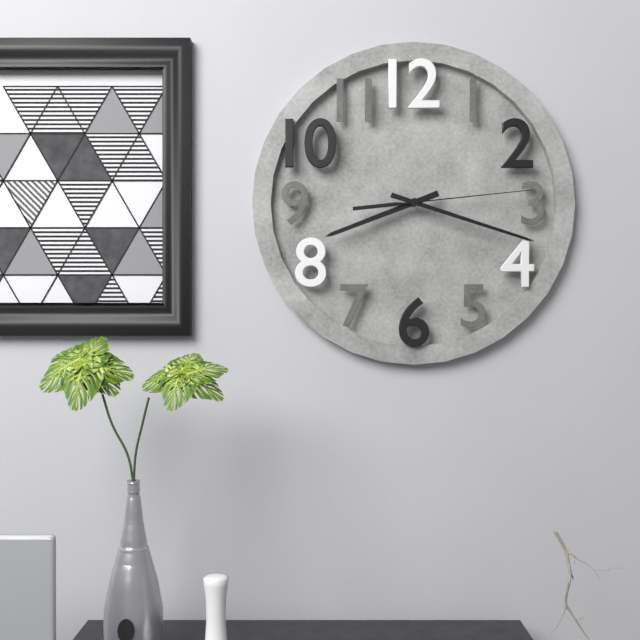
8:18:14
